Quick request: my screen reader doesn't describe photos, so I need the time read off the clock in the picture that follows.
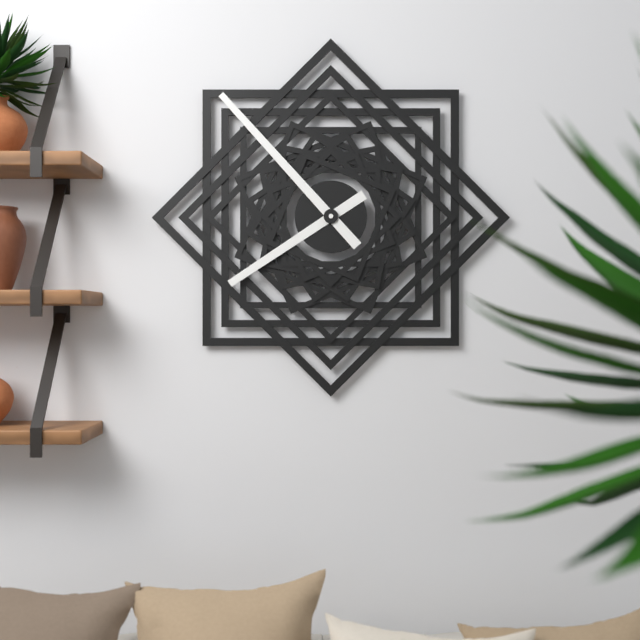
7:53
